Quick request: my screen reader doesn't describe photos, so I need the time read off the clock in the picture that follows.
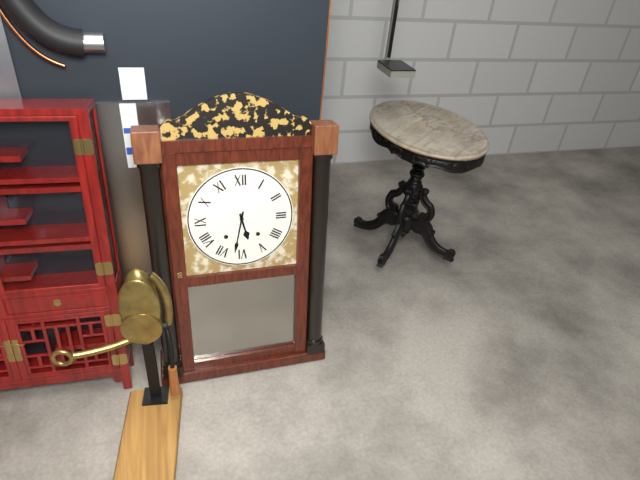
5:32
